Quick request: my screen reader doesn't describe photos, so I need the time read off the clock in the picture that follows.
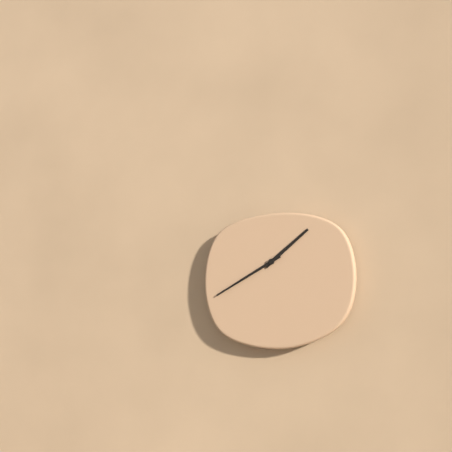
1:40
